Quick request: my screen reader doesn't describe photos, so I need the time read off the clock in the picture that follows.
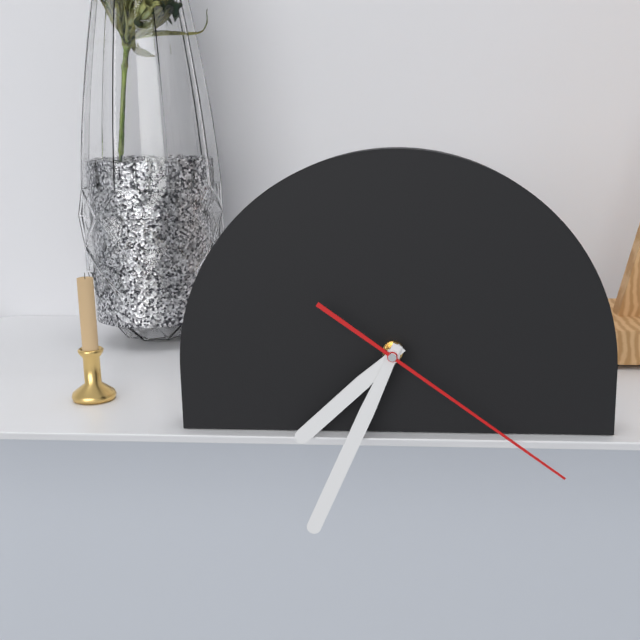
7:34:21
